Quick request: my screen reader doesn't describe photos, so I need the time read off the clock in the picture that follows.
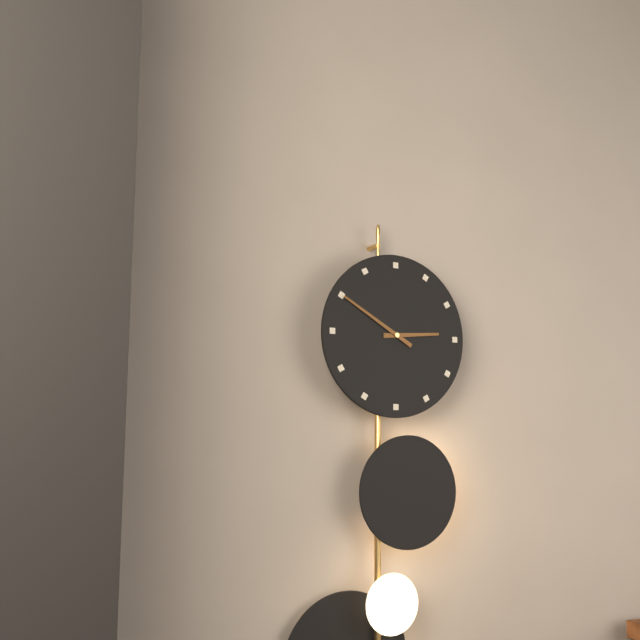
2:50
